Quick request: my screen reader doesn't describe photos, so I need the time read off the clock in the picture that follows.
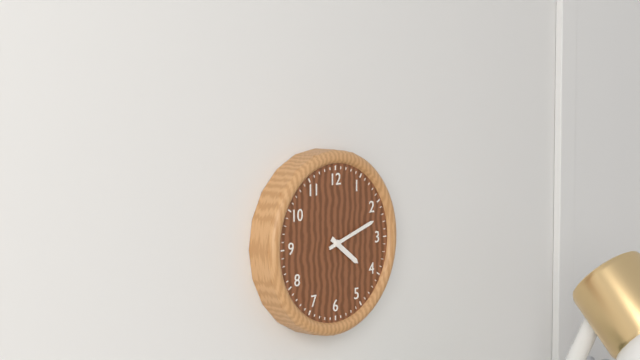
4:12
